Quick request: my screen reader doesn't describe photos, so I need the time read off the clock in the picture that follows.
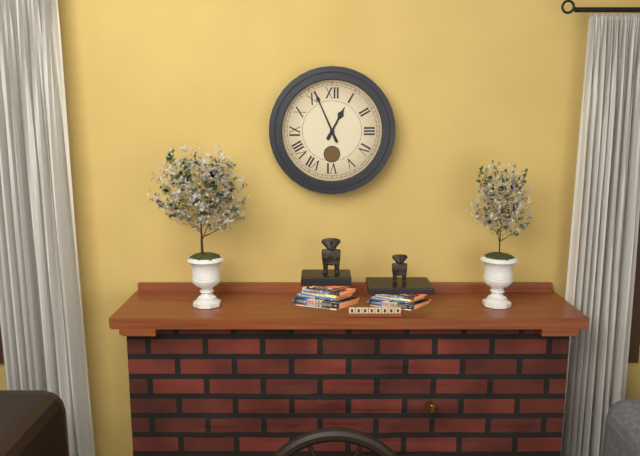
12:56
